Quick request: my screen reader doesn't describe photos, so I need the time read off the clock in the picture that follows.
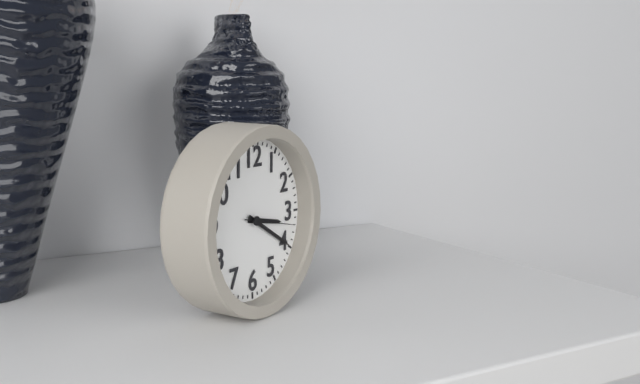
3:20:17
